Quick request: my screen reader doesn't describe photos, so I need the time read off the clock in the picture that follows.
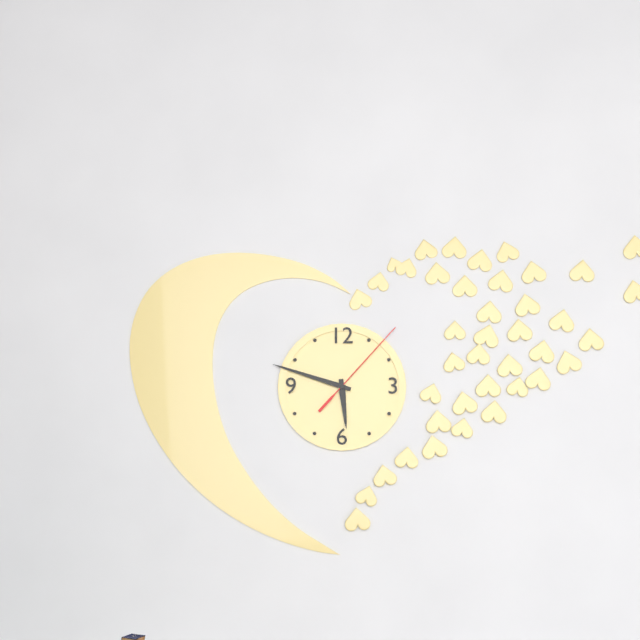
5:48:07
